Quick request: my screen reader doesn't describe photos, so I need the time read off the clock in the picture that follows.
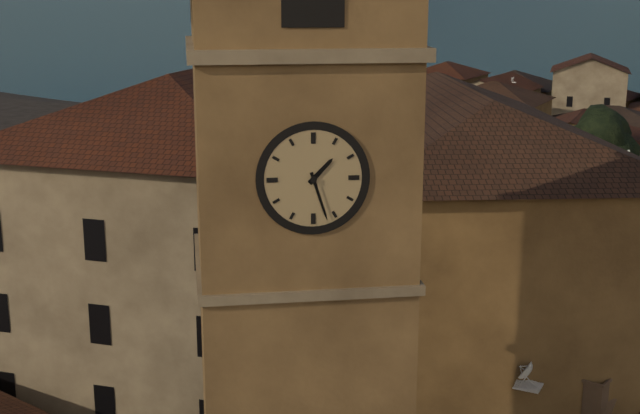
1:27
